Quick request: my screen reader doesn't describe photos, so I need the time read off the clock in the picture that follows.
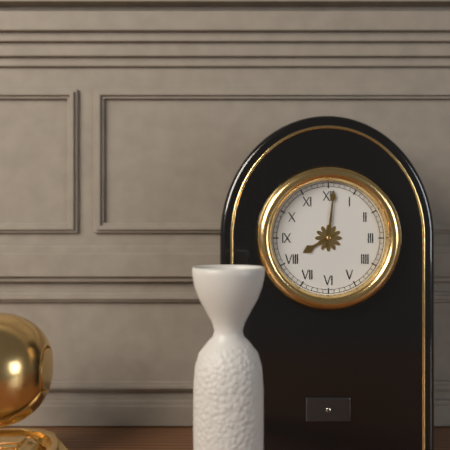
8:01
